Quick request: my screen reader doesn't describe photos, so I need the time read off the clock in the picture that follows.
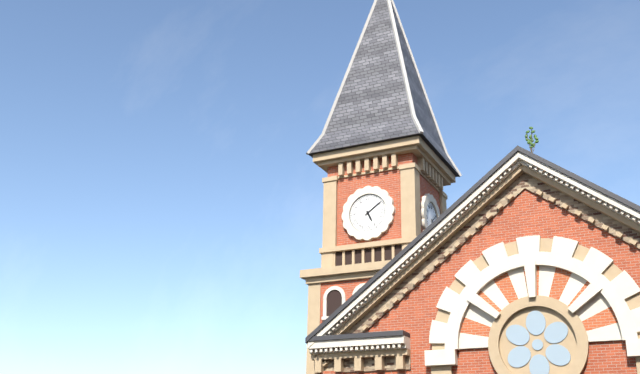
5:09
